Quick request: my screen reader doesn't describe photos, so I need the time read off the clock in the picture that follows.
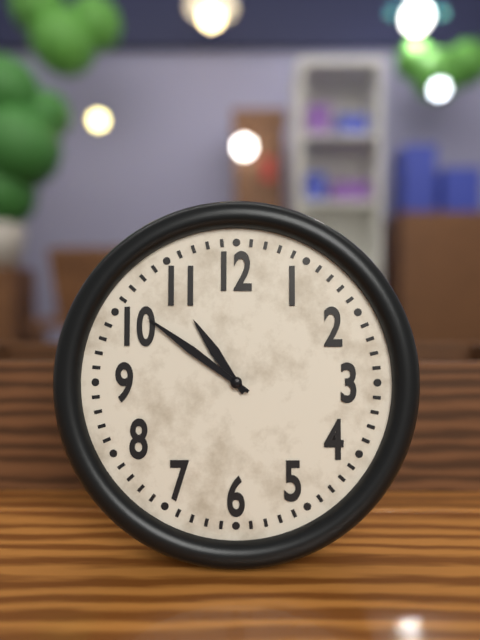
10:51
